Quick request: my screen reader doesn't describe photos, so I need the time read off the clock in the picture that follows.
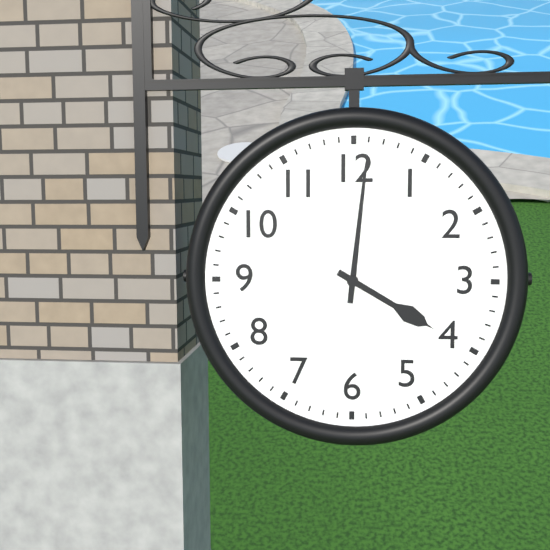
4:01
